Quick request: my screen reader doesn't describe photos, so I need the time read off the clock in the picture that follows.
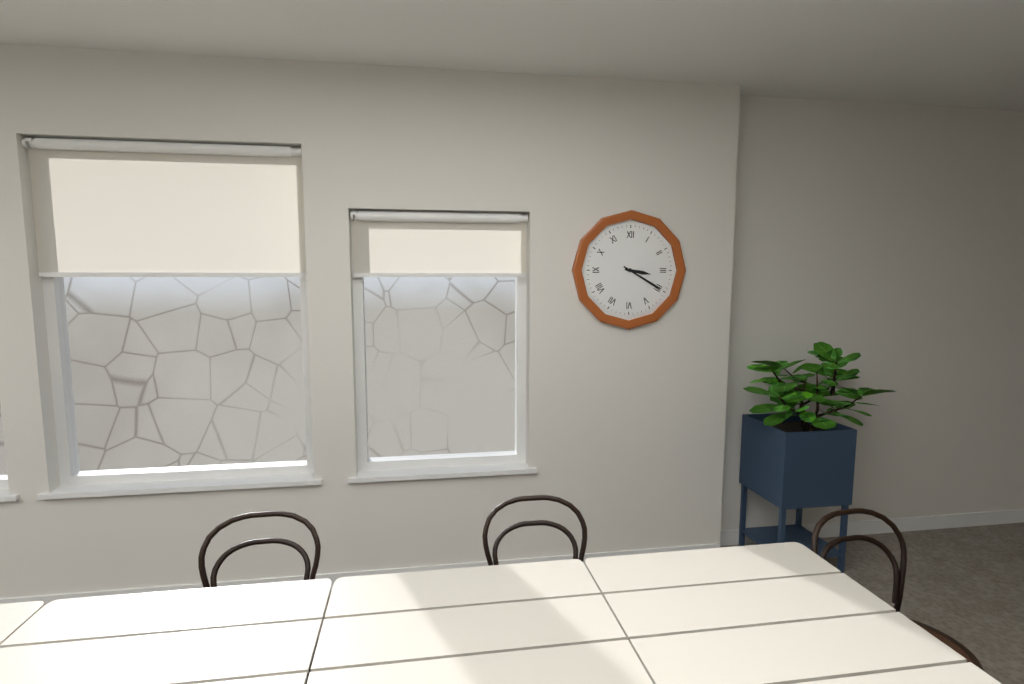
3:20
